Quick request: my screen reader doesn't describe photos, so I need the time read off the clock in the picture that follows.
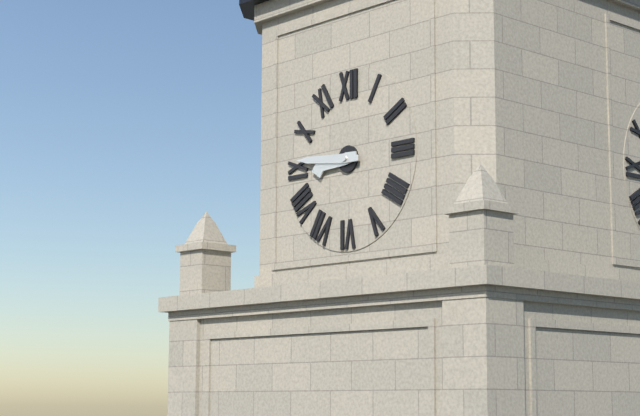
8:46
